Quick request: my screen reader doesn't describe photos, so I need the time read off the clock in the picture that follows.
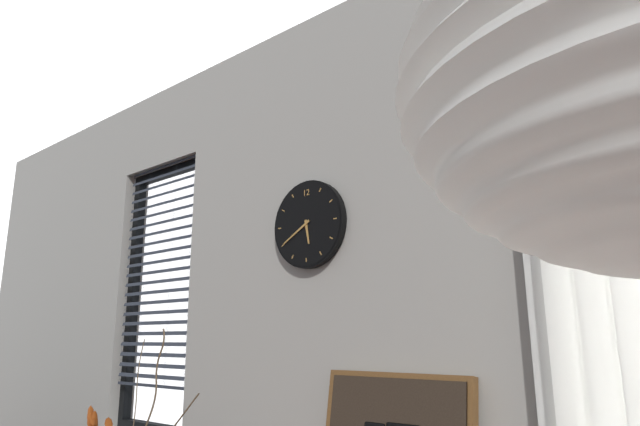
5:40
